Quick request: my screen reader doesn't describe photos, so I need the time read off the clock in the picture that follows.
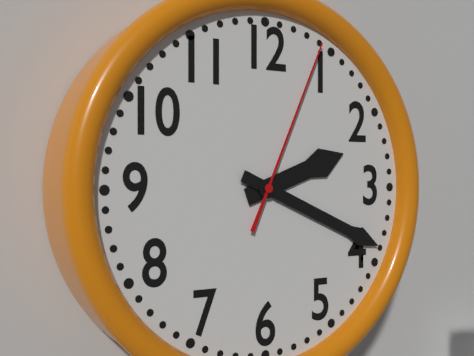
2:19:04
